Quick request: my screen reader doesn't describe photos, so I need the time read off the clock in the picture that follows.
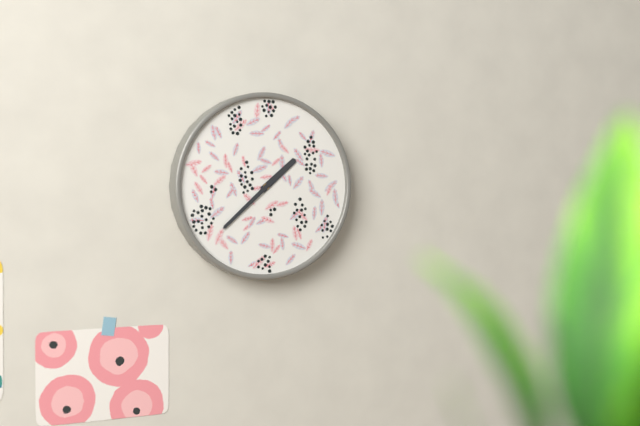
1:38
